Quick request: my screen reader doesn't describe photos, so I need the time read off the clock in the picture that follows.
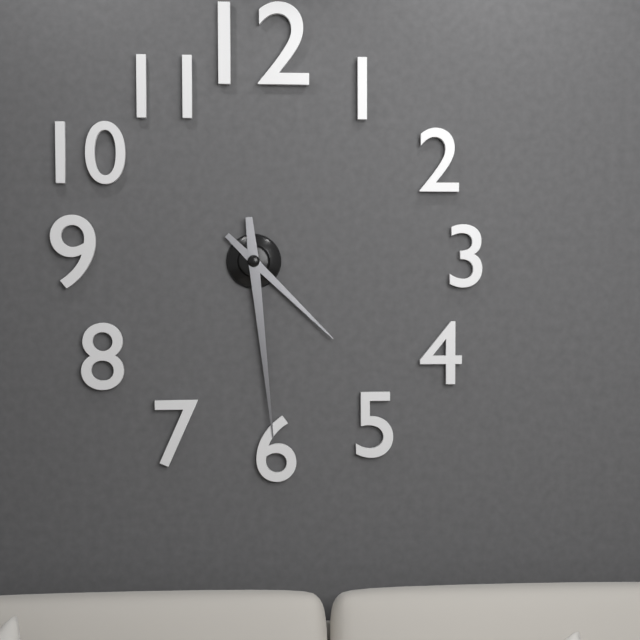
4:29
